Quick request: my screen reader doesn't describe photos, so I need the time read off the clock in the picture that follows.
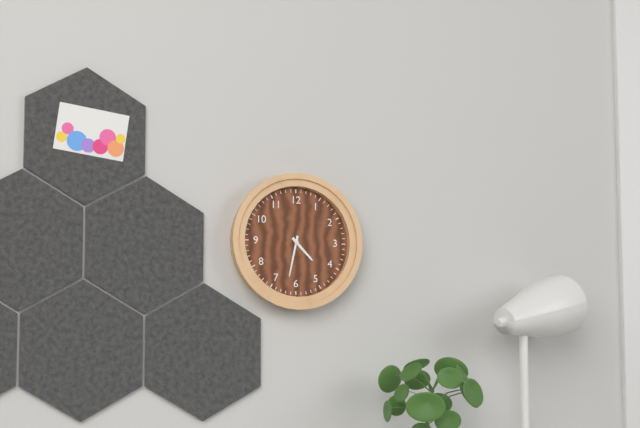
4:32
